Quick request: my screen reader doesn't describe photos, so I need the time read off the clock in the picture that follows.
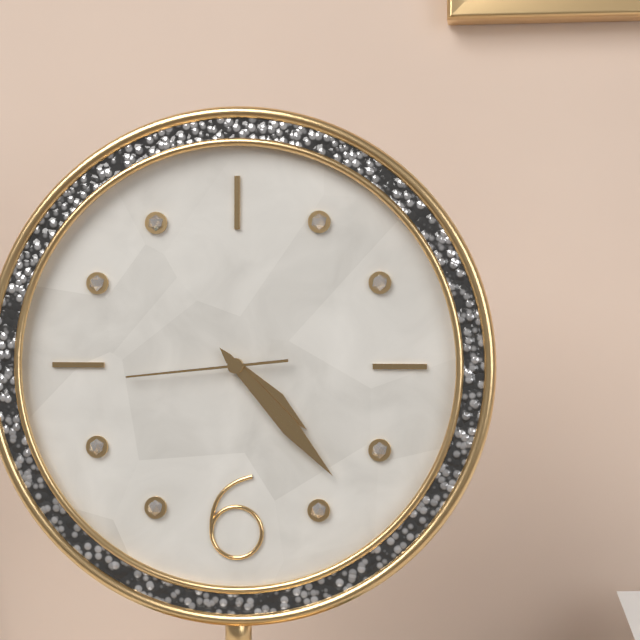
4:23:44
